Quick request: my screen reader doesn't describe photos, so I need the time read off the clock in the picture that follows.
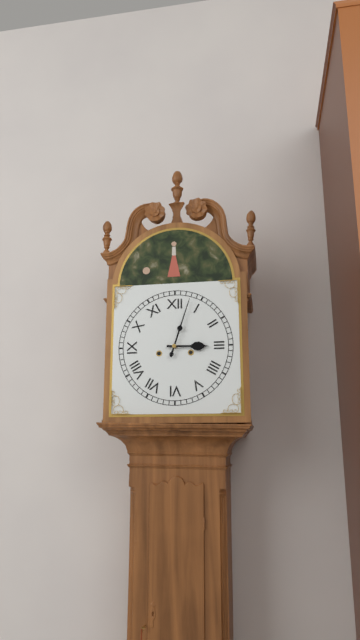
3:03
